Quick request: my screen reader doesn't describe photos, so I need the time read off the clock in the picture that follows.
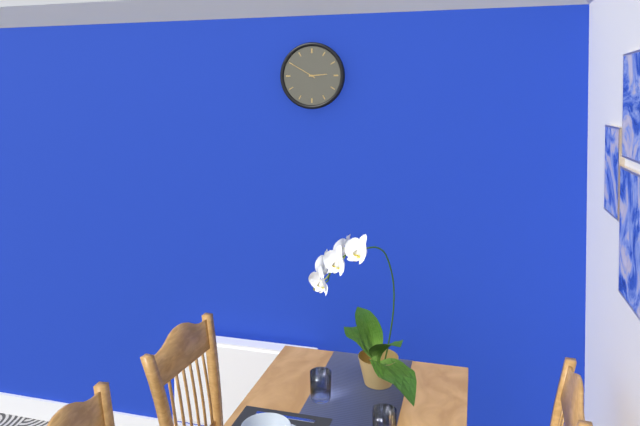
2:50
